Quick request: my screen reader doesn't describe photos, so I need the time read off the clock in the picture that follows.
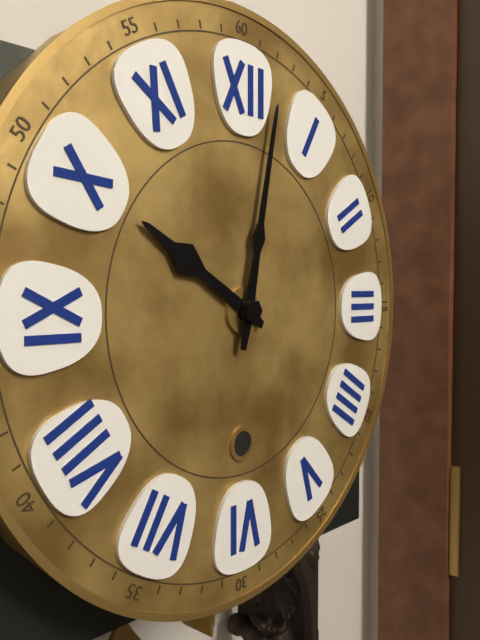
10:02
